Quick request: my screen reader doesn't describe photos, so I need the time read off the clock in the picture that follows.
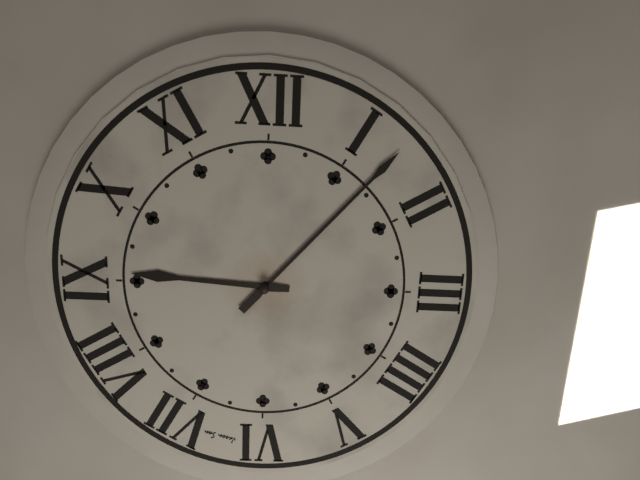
9:07
